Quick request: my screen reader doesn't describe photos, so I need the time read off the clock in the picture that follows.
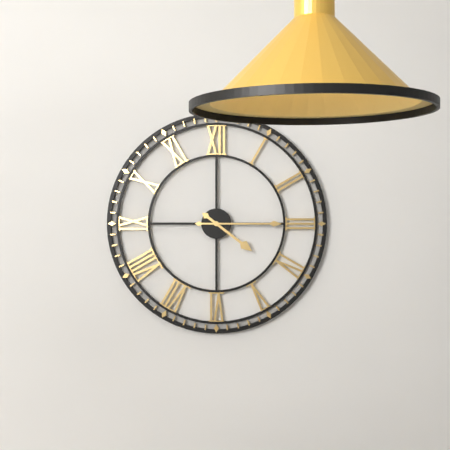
4:15
